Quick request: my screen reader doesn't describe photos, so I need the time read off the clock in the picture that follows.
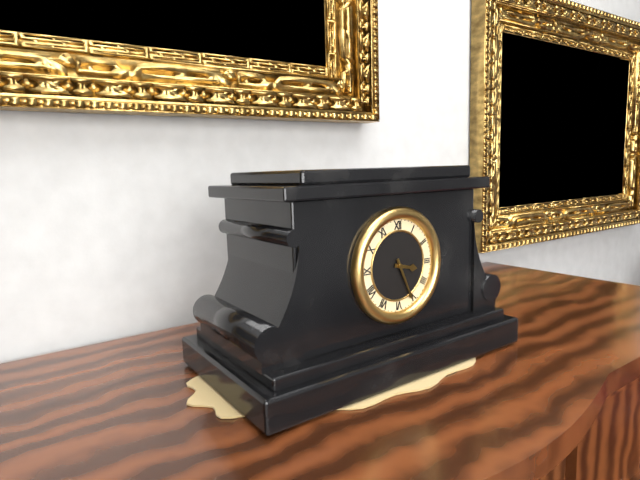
3:26
